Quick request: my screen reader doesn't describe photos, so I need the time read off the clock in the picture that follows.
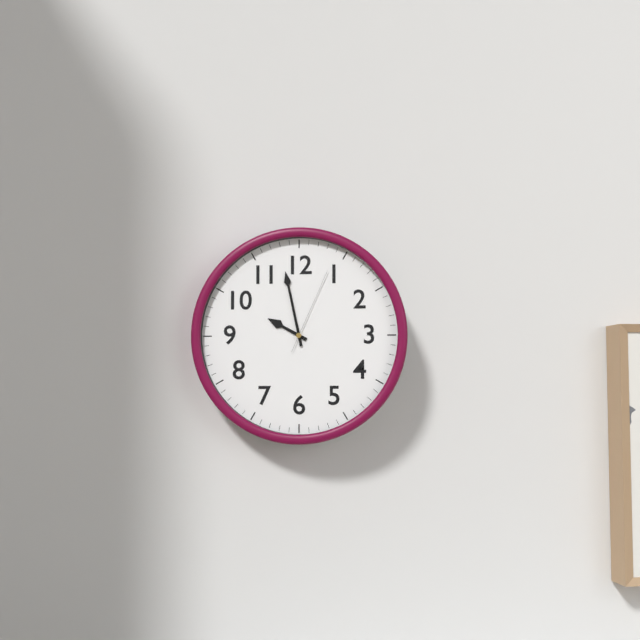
9:58:04
